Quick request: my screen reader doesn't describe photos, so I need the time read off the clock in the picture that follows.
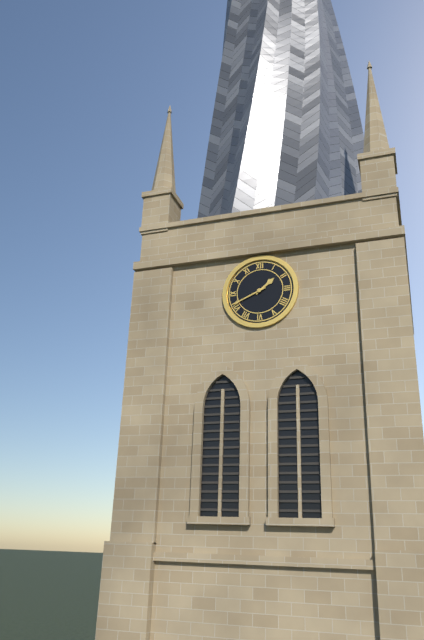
1:41
